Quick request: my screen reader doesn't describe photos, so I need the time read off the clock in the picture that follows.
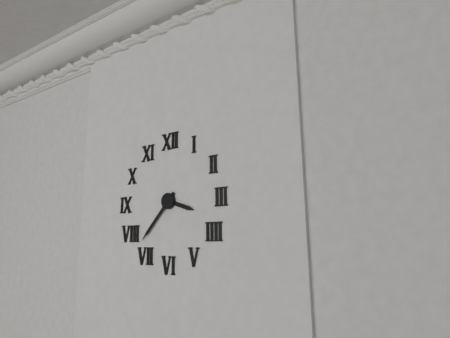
3:37
